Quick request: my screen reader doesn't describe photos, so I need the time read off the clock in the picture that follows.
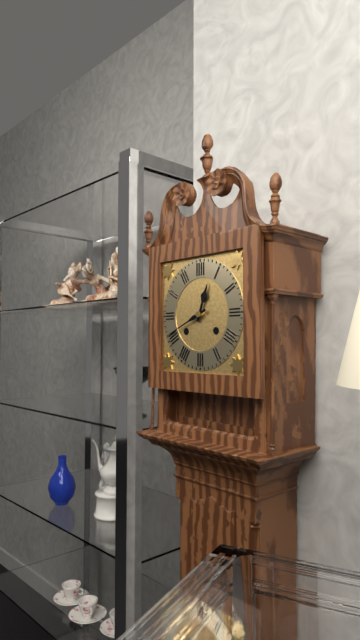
12:41
